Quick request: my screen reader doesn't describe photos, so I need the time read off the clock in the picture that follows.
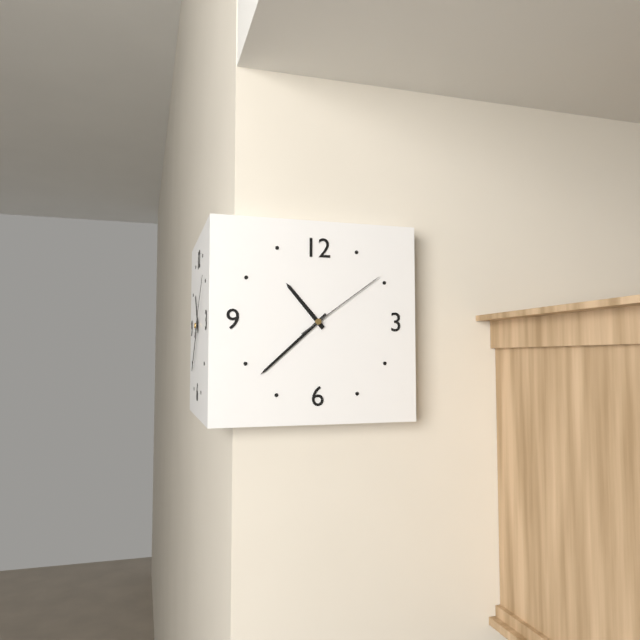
10:38:09
